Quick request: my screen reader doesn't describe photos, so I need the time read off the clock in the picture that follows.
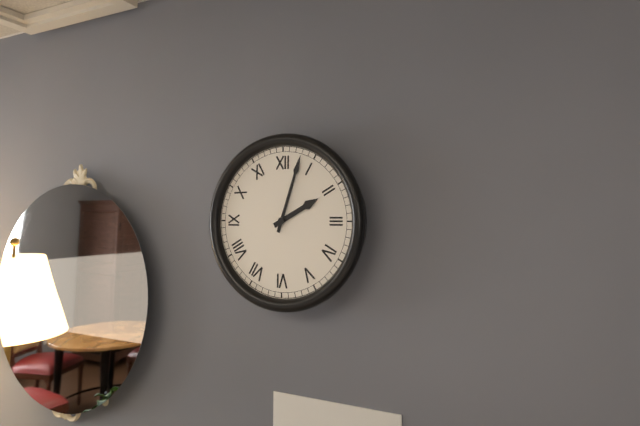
2:03
